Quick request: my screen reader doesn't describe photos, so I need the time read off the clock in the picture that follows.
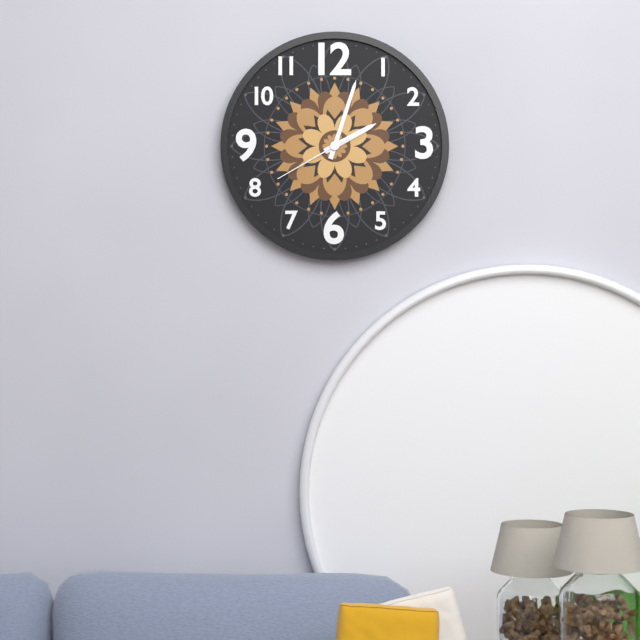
2:03:40
